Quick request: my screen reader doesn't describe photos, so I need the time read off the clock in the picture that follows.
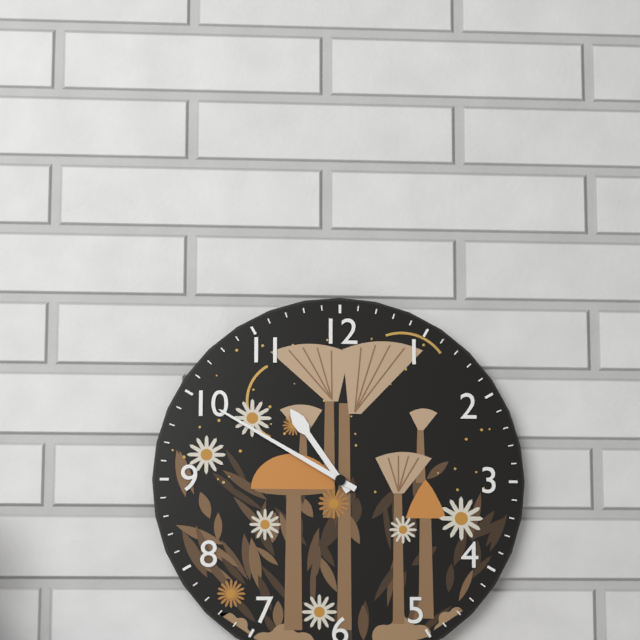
10:50
